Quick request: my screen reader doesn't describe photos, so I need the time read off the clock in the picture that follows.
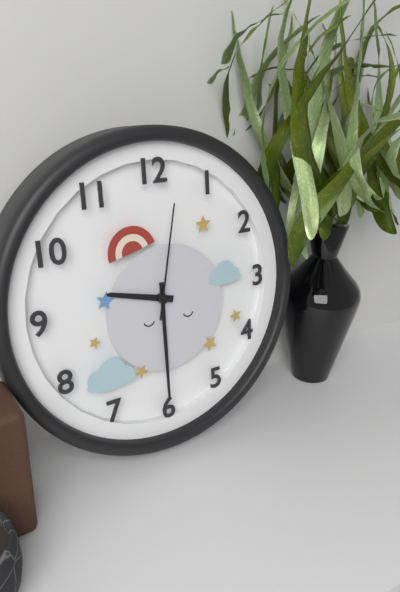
9:30:02
